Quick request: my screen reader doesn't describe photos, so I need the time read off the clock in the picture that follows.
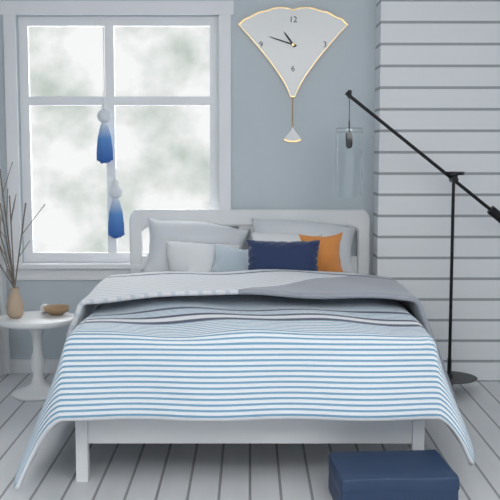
10:48
